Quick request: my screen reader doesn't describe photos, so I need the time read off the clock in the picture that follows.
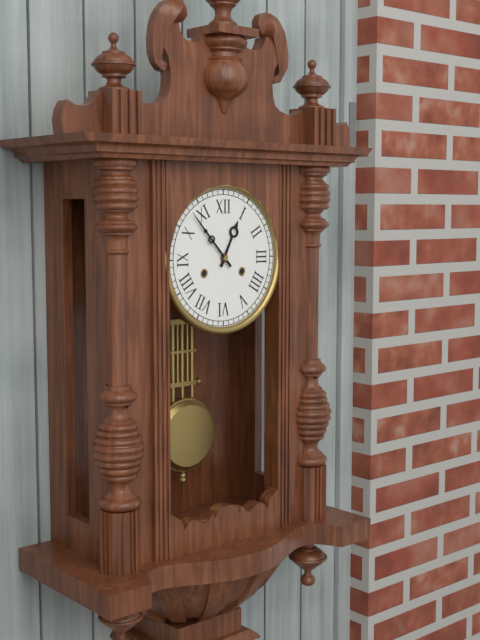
12:53
